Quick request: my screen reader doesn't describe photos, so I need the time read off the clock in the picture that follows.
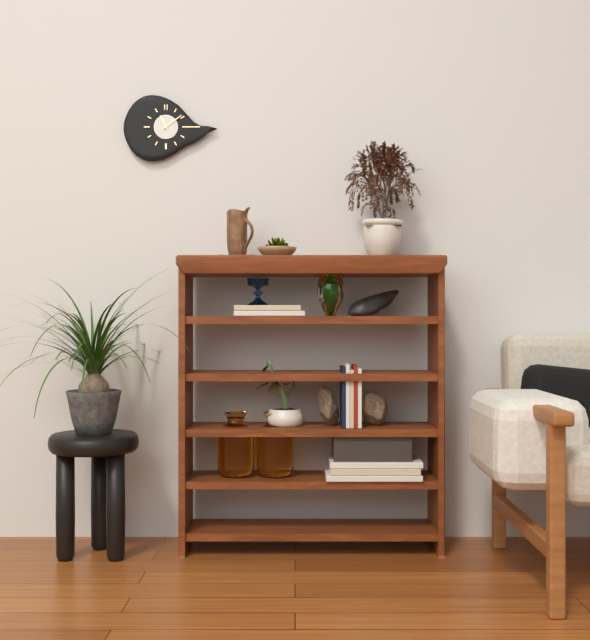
11:09
